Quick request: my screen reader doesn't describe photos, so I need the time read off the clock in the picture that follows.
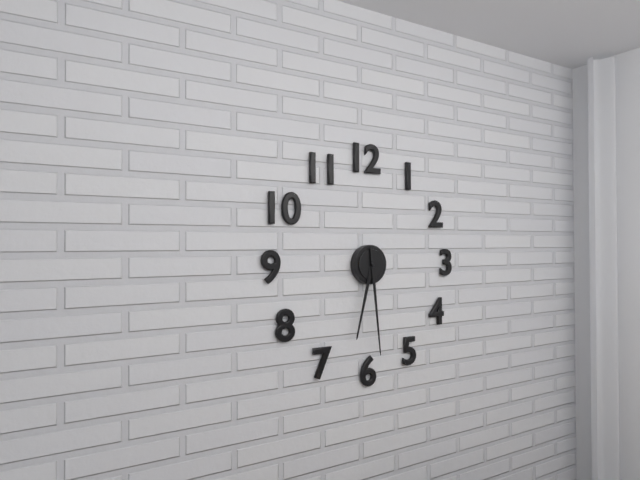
6:29
